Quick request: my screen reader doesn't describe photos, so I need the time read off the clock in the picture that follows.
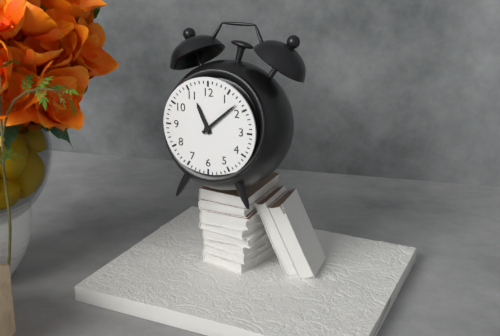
11:08
